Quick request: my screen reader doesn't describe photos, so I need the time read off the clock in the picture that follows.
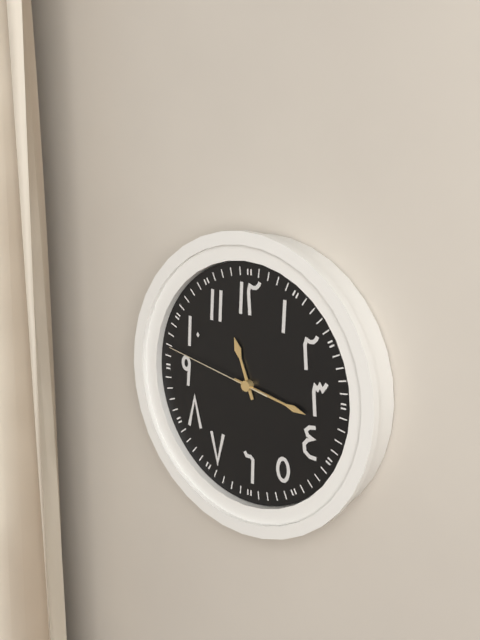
11:17:47
